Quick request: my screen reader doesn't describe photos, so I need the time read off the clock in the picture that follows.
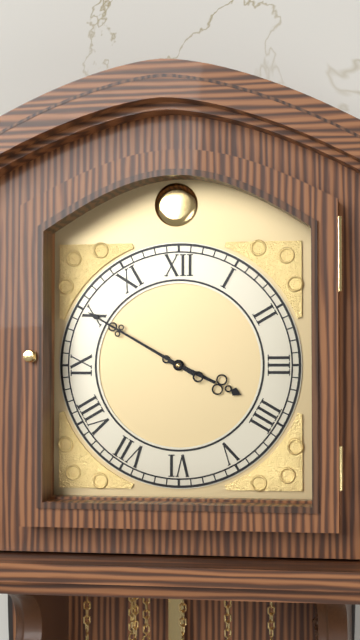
3:50
